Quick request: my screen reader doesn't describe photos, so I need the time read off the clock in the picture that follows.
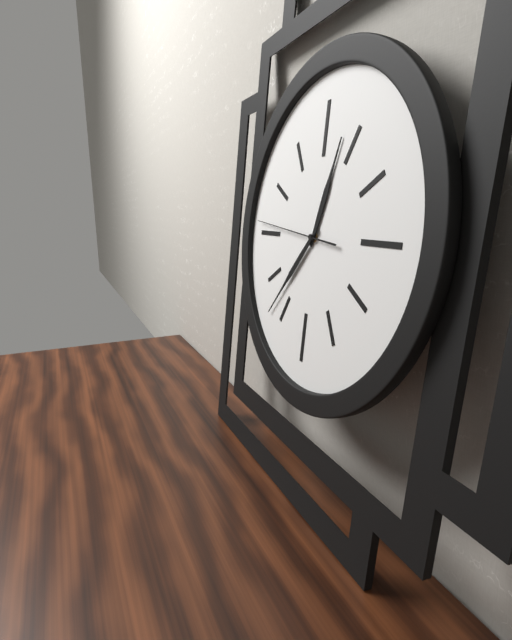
12:37:46
